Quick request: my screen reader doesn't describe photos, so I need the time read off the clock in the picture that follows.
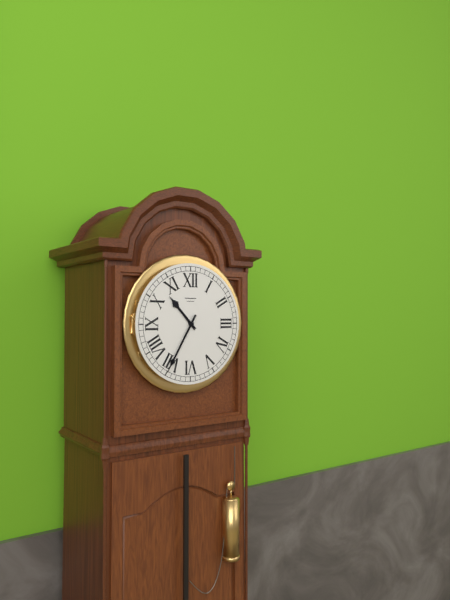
10:35
